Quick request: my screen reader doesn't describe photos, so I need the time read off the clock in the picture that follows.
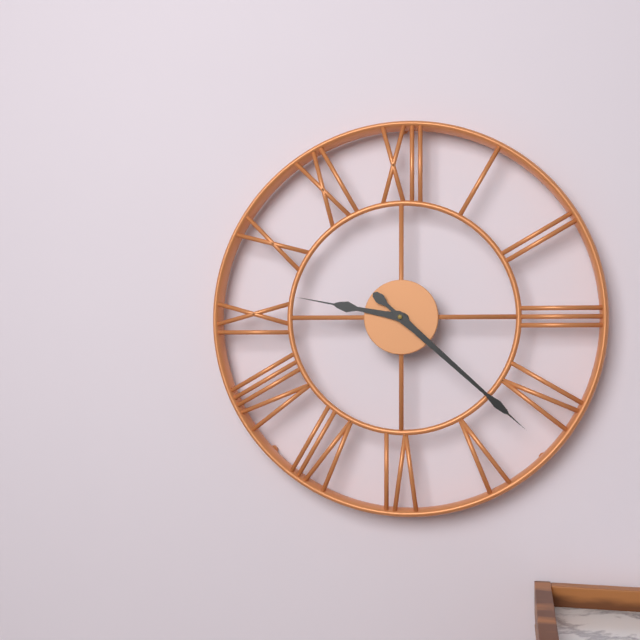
9:22
